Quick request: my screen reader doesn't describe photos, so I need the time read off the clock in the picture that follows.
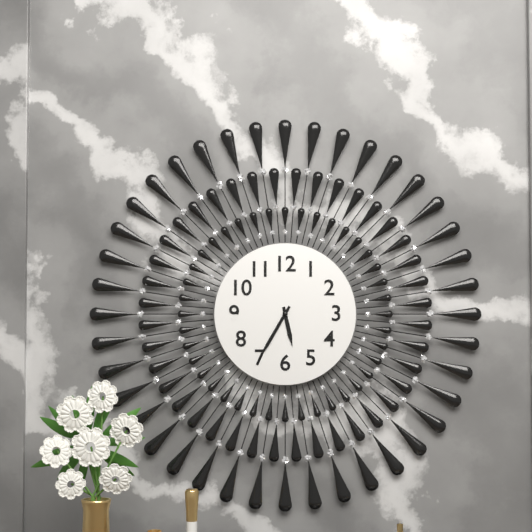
5:35
